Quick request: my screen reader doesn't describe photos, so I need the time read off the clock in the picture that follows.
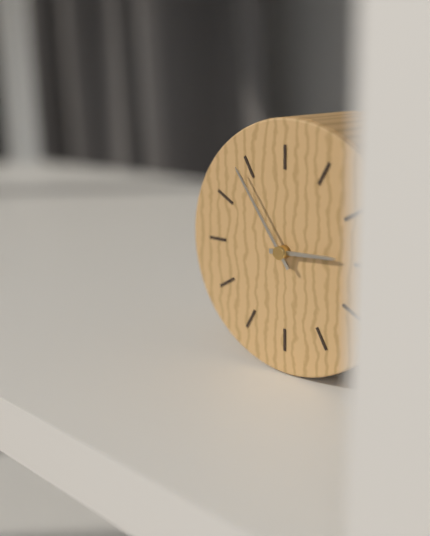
2:54
